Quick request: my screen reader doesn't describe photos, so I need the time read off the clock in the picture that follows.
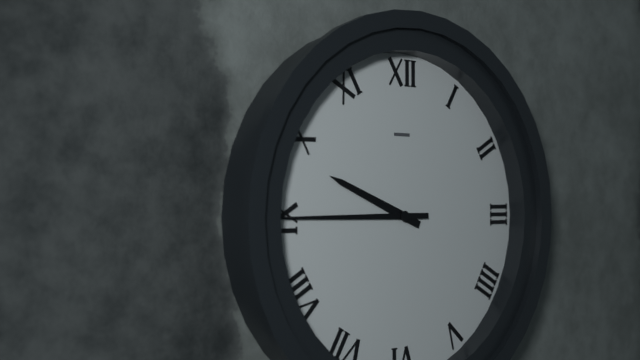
9:45
